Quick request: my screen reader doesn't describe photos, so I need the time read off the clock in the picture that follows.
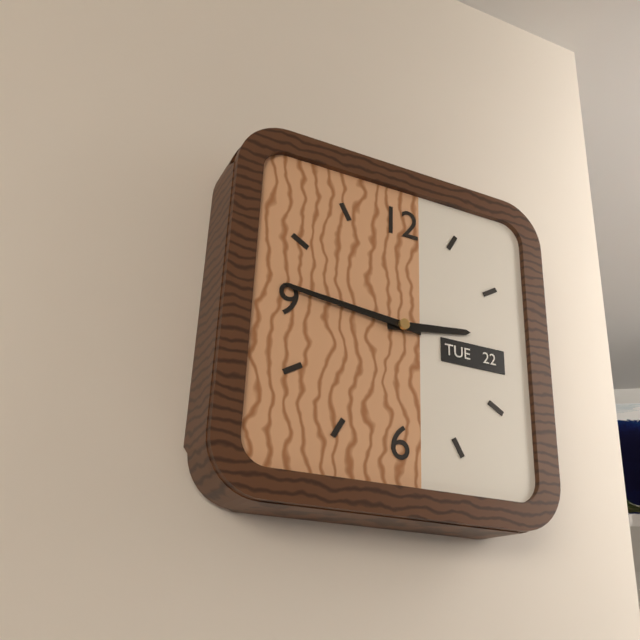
2:46
